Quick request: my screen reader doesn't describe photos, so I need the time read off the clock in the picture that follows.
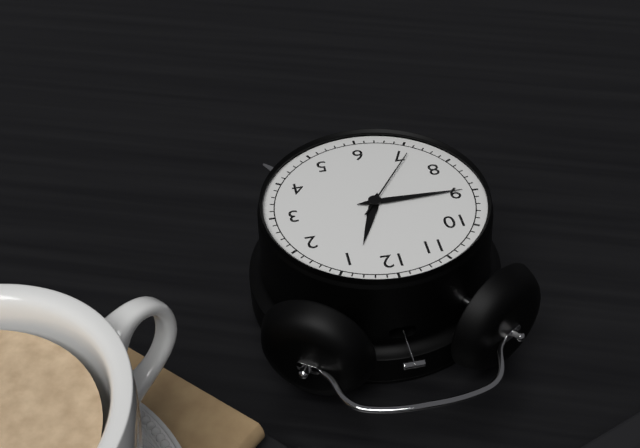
12:45:36
